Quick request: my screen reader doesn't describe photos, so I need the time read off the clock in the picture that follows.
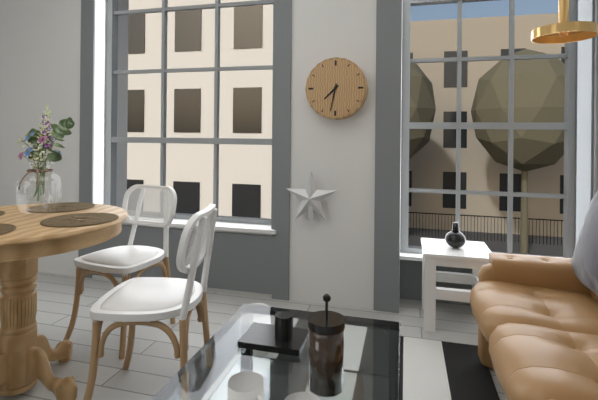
7:32
